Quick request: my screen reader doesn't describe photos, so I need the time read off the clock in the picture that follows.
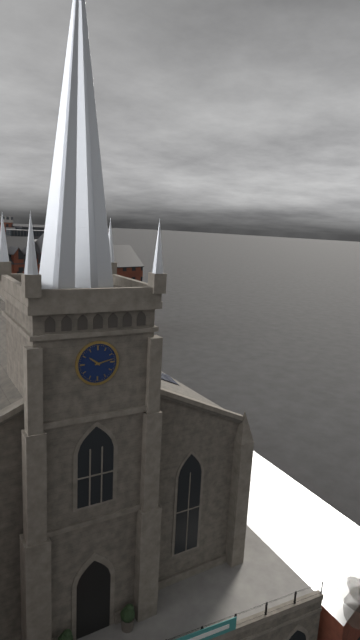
10:13
